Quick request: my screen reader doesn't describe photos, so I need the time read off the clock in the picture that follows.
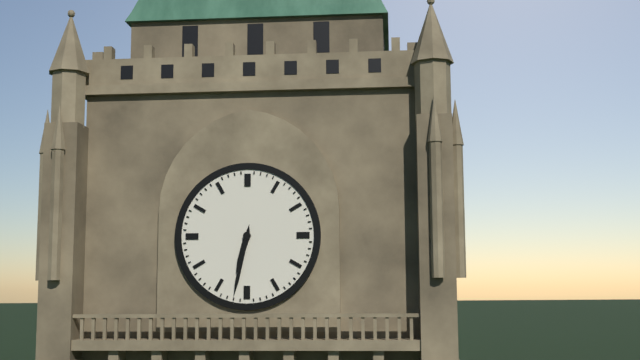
6:32
